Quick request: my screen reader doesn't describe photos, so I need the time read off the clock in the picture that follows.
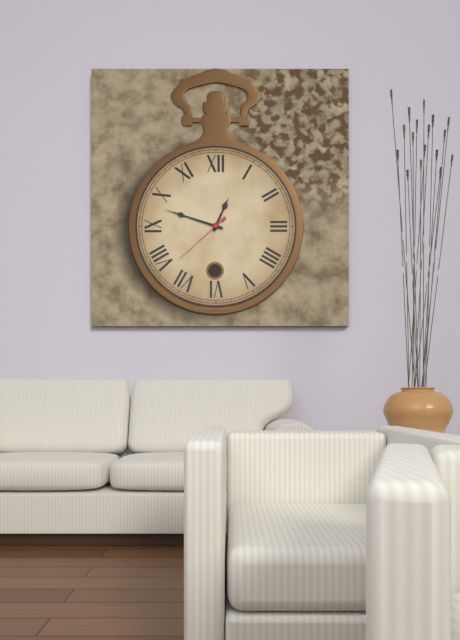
12:48:38
